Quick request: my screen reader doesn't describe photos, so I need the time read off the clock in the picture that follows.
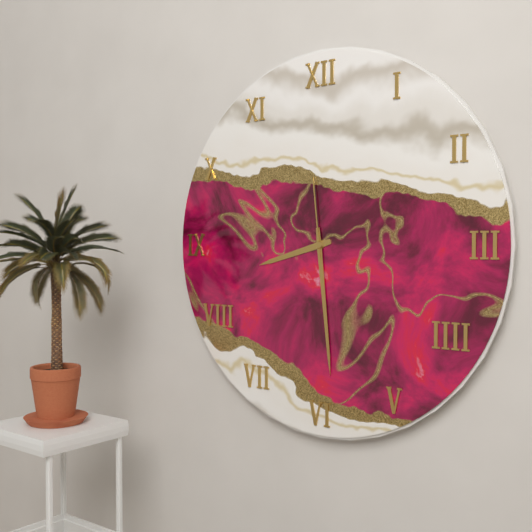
8:29:59
